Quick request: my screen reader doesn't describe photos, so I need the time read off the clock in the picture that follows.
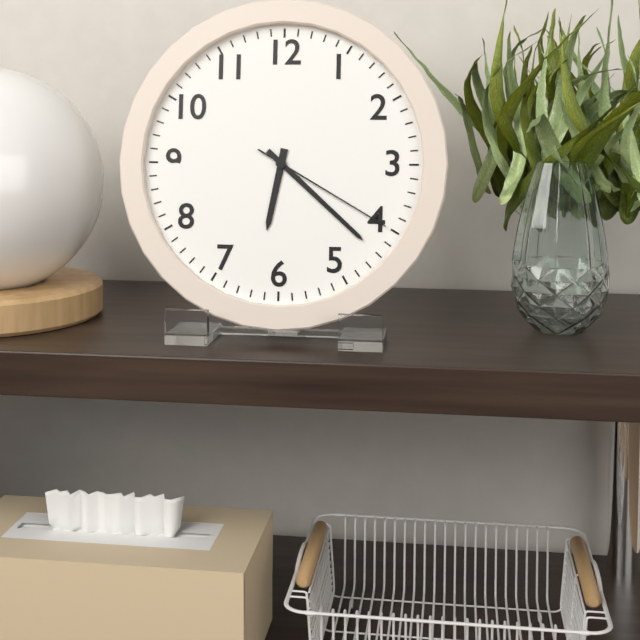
6:22:20
